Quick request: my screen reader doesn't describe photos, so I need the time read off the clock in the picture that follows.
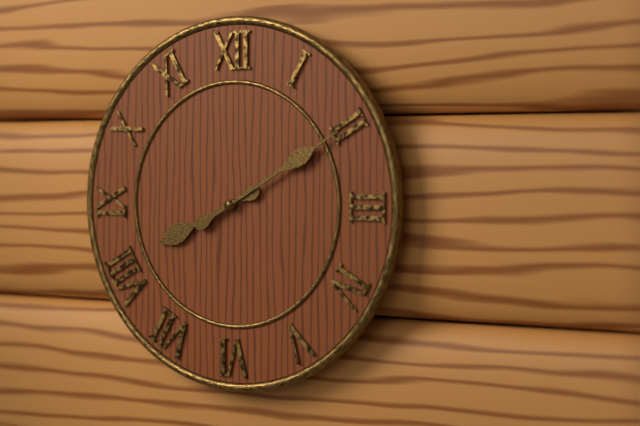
8:10
